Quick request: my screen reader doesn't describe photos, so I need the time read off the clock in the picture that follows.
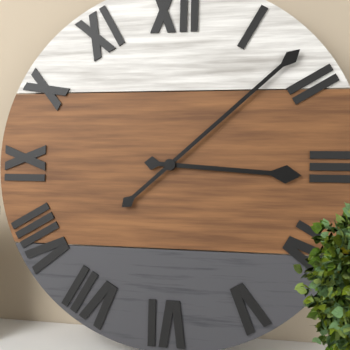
3:08
